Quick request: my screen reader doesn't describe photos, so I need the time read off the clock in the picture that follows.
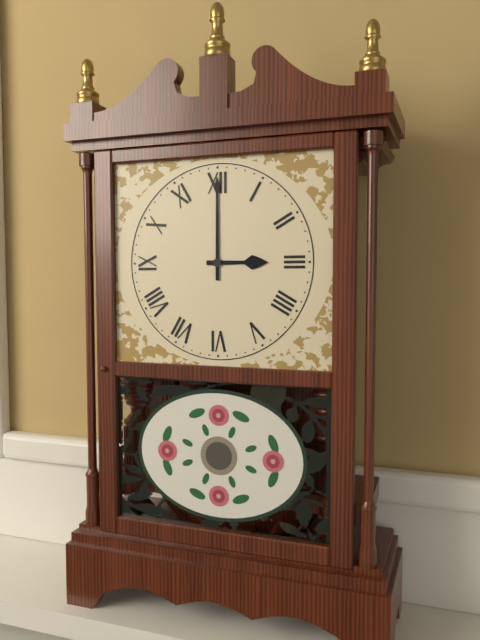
3:00
